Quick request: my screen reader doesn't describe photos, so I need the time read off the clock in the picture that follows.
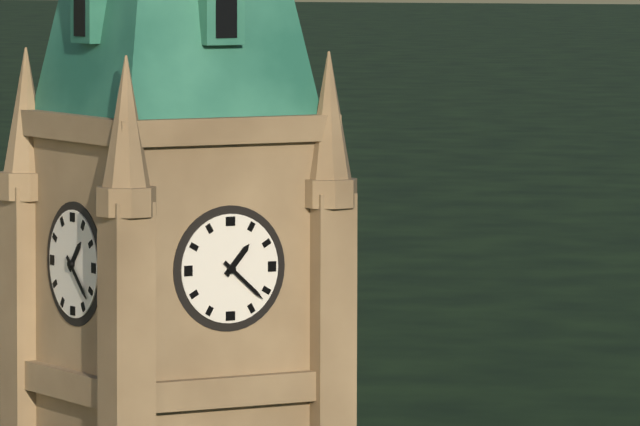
1:22
